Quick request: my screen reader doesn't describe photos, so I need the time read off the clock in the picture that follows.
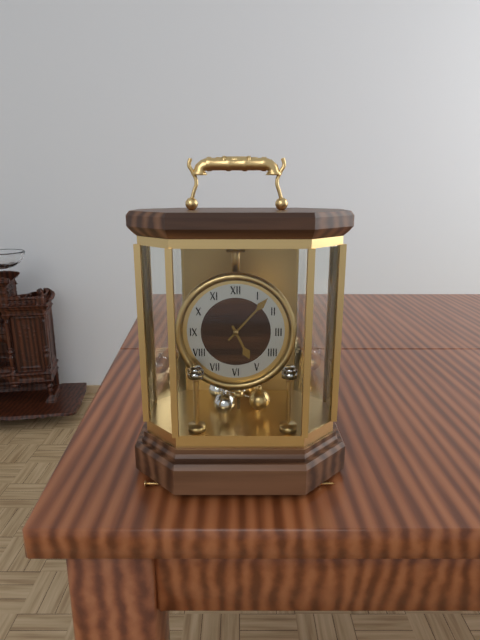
5:07
